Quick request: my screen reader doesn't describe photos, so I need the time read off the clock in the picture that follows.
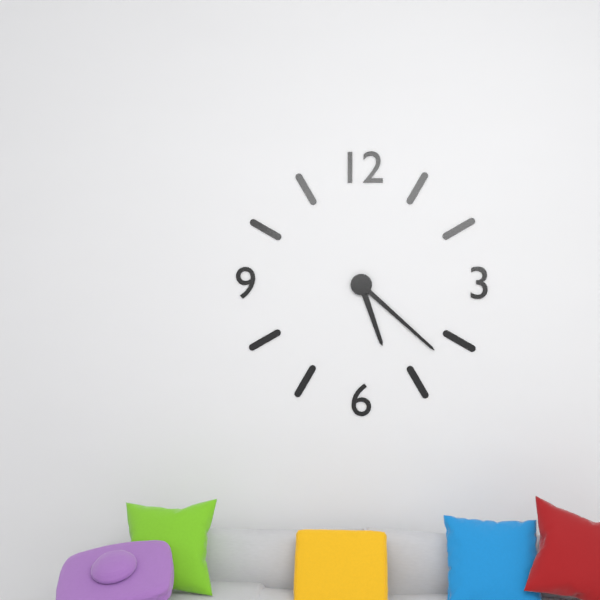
5:22
